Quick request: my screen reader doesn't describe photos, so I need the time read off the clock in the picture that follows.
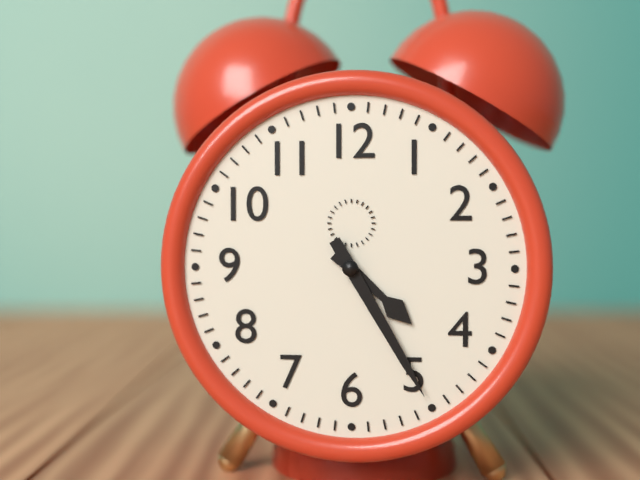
4:25
